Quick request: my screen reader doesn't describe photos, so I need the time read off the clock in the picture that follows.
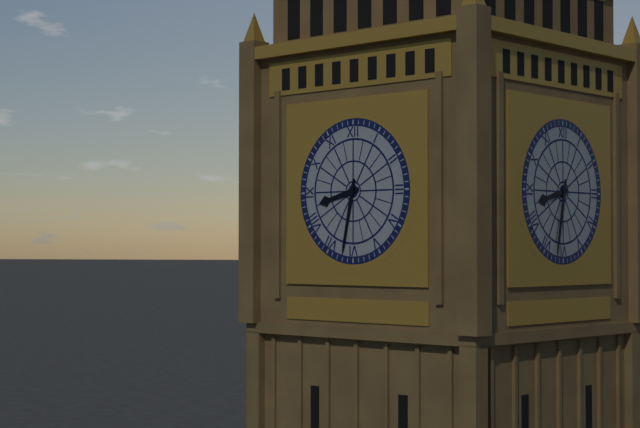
8:32
